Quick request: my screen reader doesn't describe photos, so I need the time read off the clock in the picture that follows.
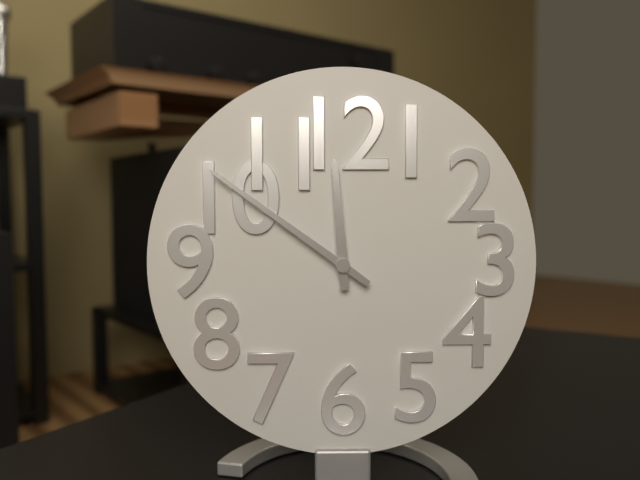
11:51
